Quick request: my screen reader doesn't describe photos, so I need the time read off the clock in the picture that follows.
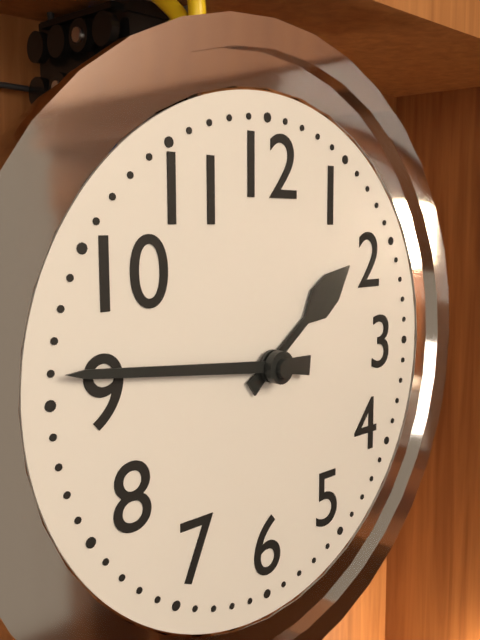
1:46
